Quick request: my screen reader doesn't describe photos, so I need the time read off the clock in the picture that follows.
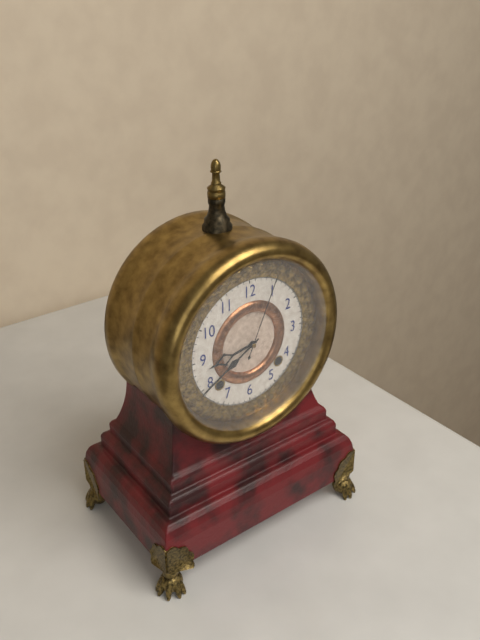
8:40:04
